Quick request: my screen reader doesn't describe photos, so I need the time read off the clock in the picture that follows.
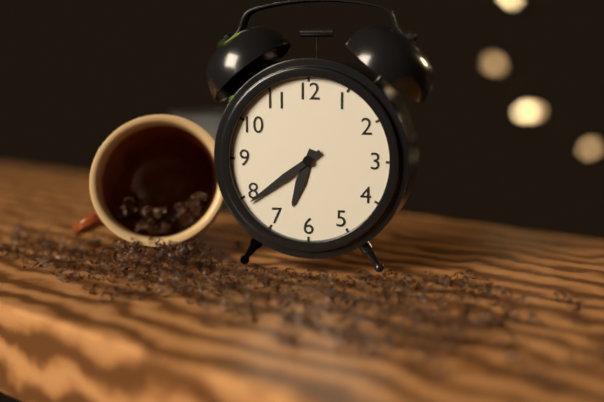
6:39
